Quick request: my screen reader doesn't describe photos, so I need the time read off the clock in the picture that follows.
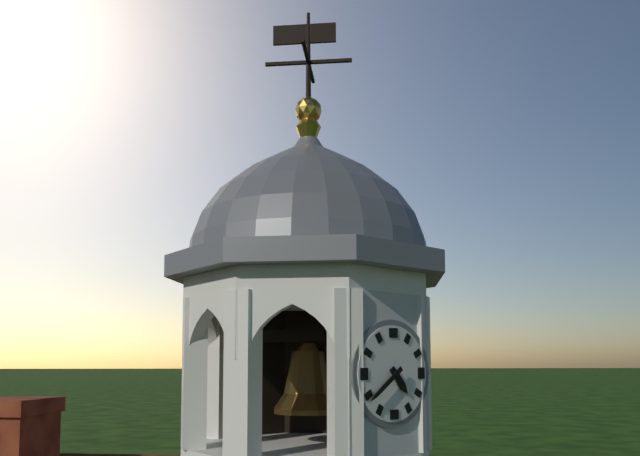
4:39
